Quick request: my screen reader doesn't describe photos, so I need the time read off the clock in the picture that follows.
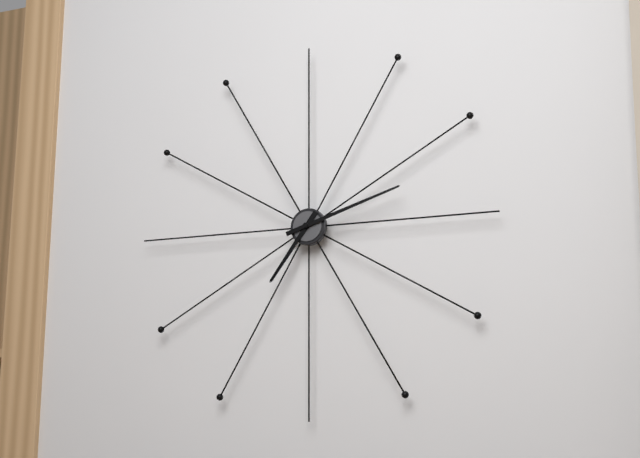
7:12
